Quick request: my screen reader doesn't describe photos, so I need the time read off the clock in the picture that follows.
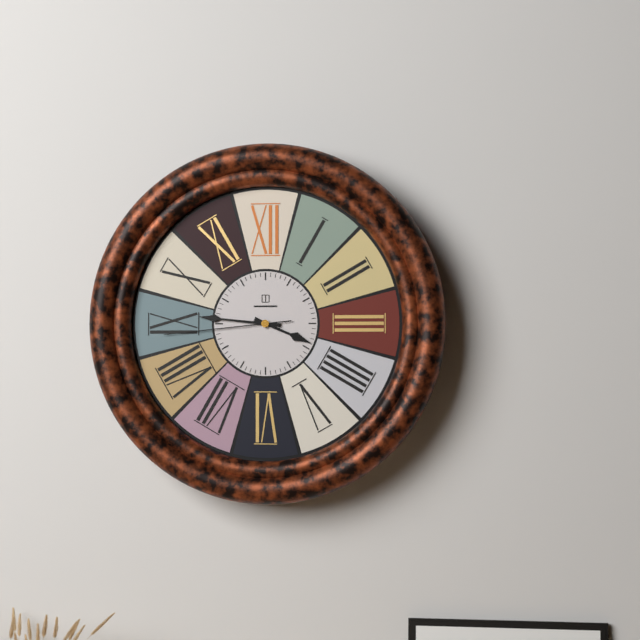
3:46:44
